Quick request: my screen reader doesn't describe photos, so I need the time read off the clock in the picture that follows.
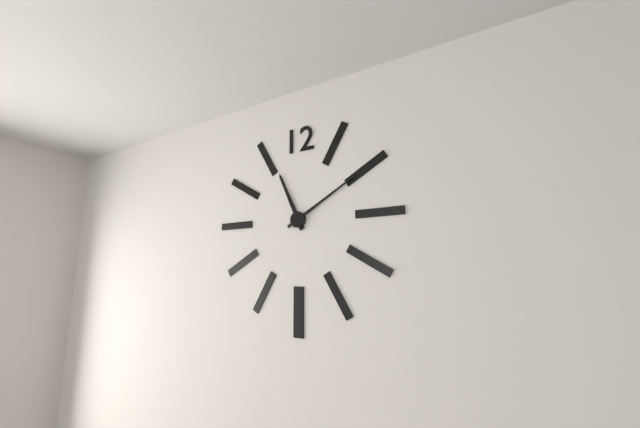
11:10
